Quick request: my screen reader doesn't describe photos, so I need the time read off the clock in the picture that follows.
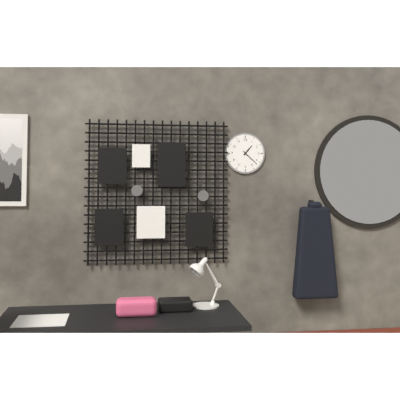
1:22
